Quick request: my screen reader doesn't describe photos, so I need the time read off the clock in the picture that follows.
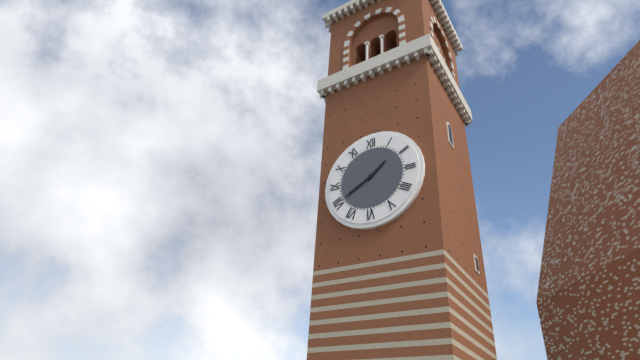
1:40
